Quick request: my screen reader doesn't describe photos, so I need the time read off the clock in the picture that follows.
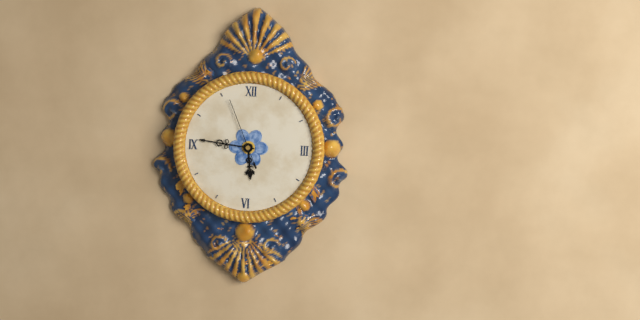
5:46:56
